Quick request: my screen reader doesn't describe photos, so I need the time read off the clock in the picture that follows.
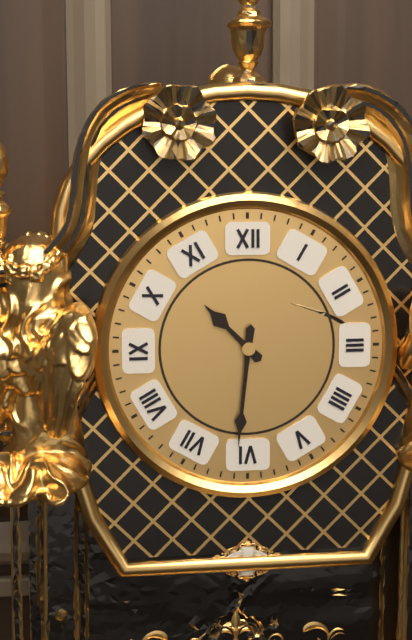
10:31
